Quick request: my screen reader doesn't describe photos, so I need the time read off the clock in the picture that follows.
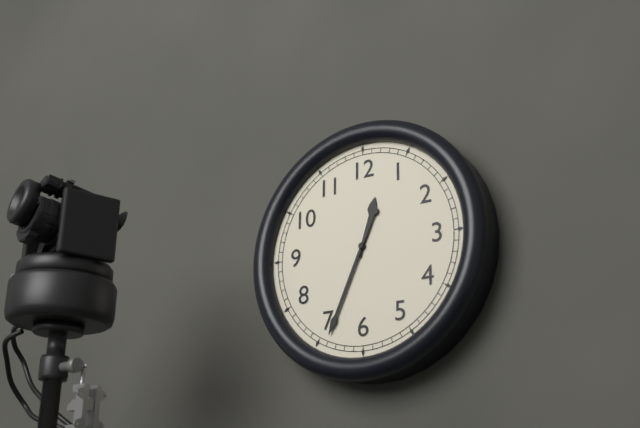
12:34
